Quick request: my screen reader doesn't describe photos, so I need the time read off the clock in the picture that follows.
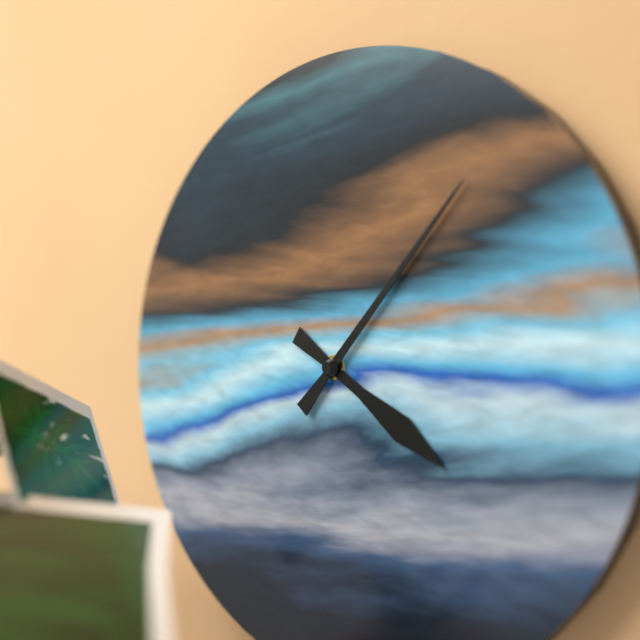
4:07
